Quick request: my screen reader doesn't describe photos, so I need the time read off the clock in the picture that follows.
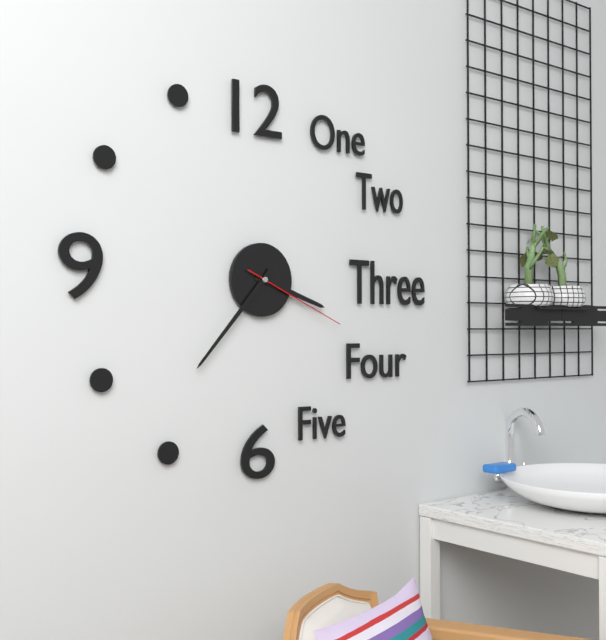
3:37:19
